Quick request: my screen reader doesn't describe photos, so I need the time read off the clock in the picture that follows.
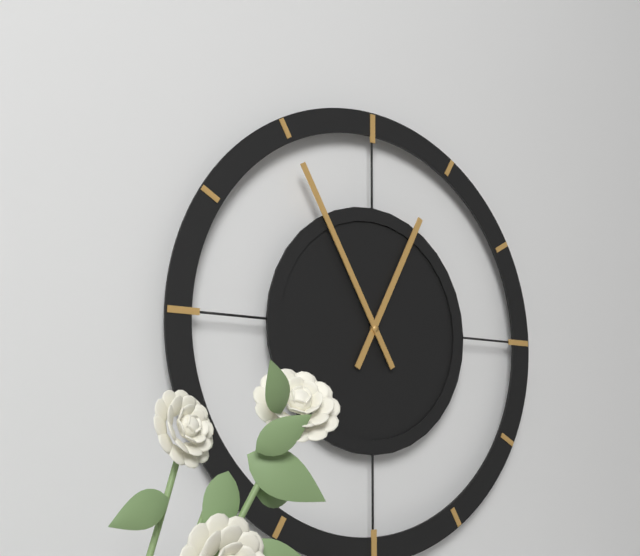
12:55
